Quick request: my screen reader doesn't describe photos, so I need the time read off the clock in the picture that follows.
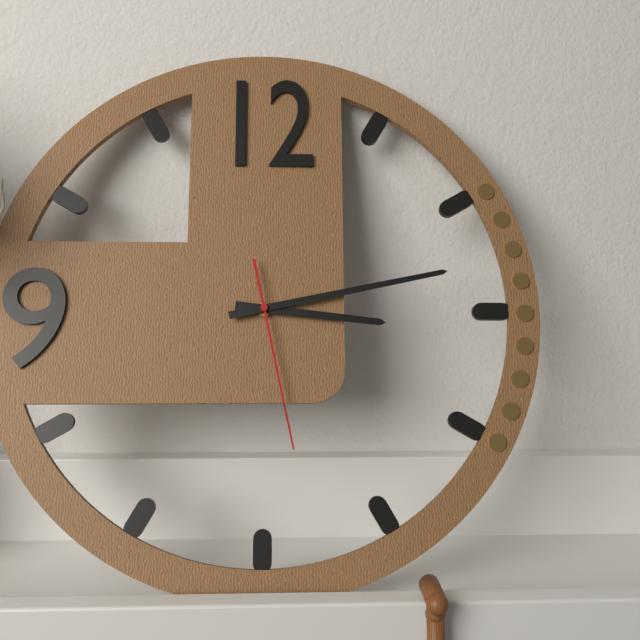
3:13:28
